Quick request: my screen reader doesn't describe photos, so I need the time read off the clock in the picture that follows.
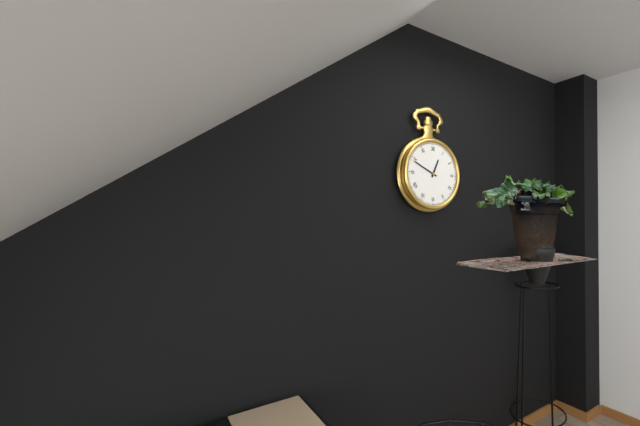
12:49
